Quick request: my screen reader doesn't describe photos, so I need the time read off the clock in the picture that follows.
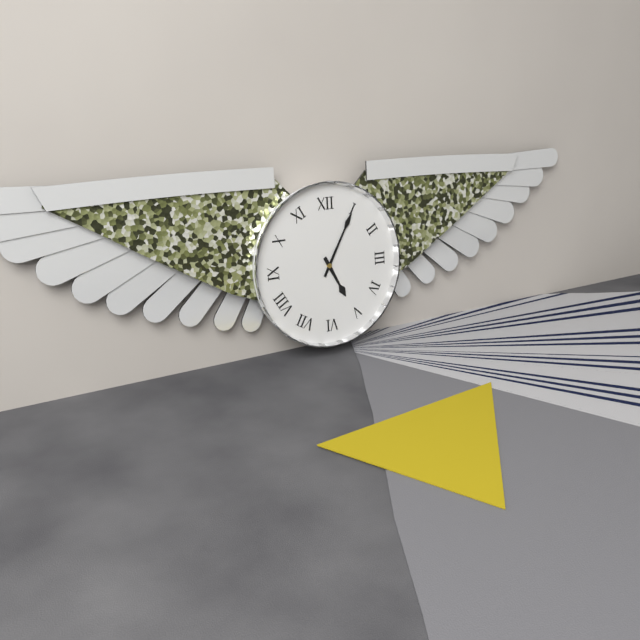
5:05
